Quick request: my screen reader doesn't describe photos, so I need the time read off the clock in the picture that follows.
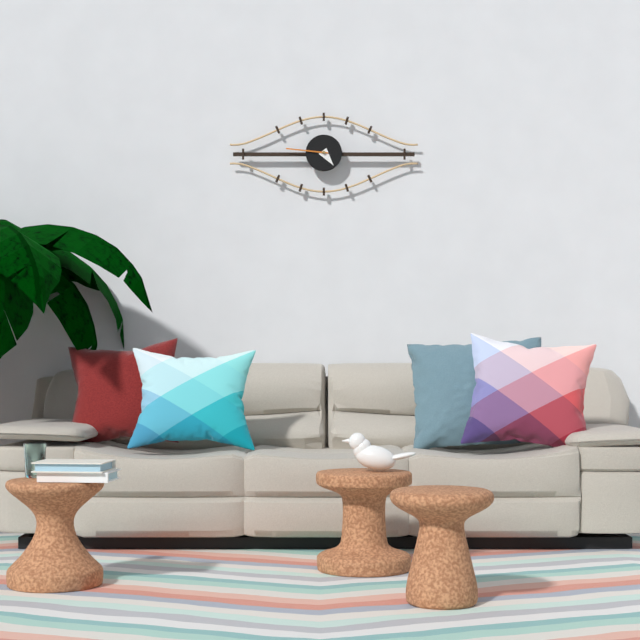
4:46
